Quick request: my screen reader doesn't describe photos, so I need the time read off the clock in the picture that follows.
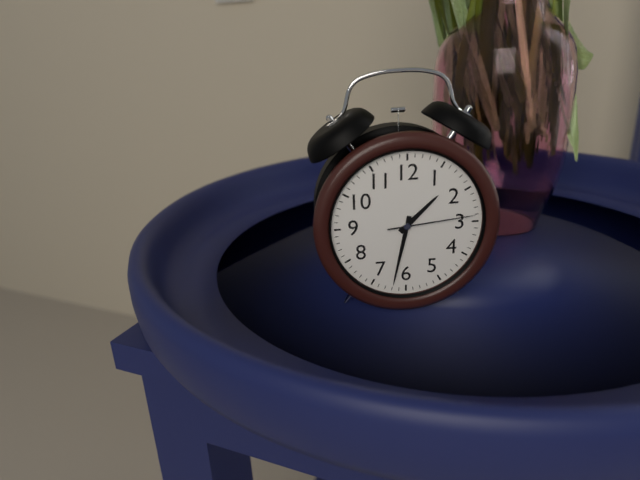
1:32:14
